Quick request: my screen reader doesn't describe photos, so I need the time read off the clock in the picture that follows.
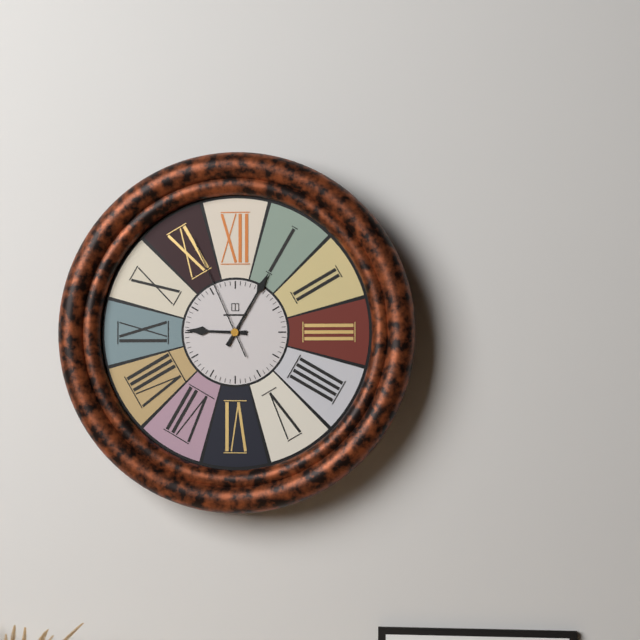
9:05:56
